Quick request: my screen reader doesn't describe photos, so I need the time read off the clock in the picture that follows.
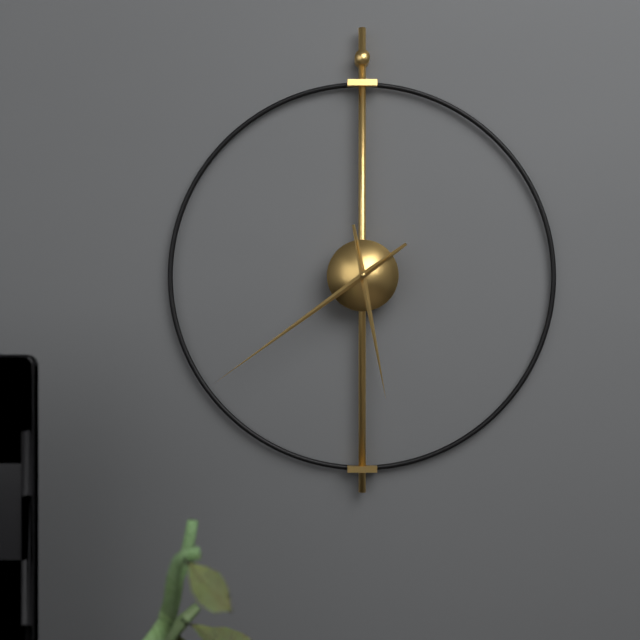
5:39
